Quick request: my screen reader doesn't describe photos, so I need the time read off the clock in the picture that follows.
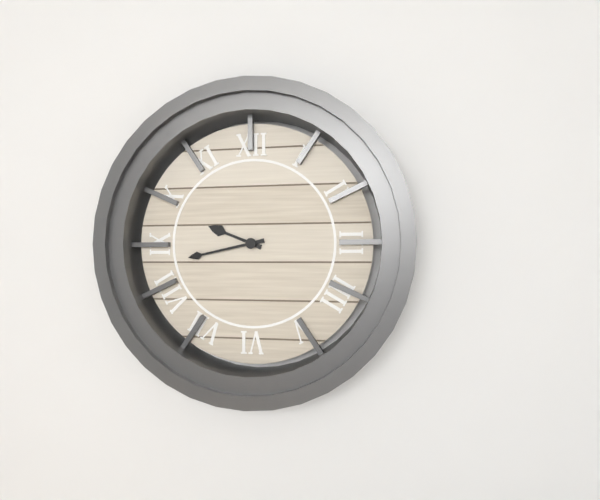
9:43
